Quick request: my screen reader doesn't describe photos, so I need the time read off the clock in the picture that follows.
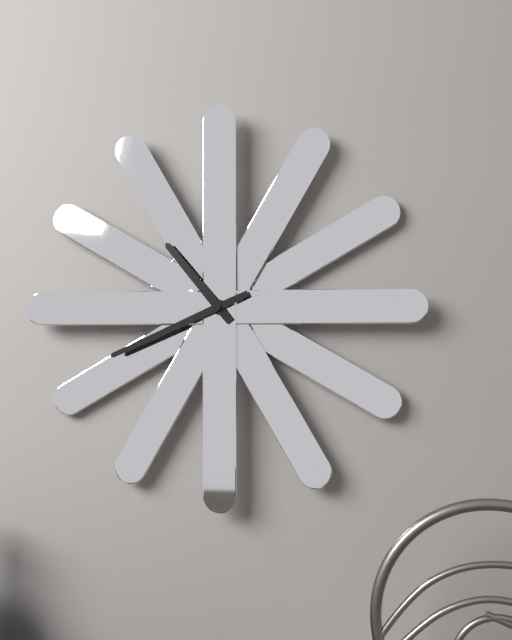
10:41
